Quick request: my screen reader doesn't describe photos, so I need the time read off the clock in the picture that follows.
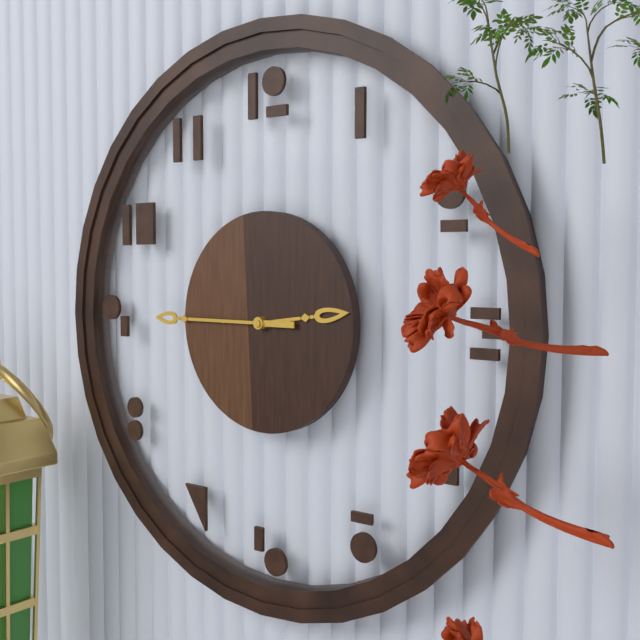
2:45
